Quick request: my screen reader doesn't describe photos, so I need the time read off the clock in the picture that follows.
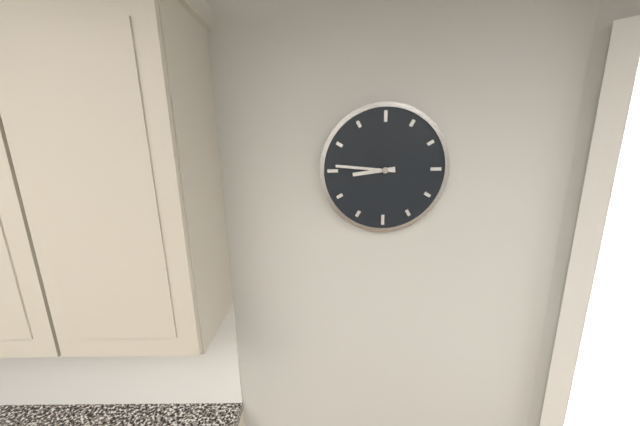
8:46
